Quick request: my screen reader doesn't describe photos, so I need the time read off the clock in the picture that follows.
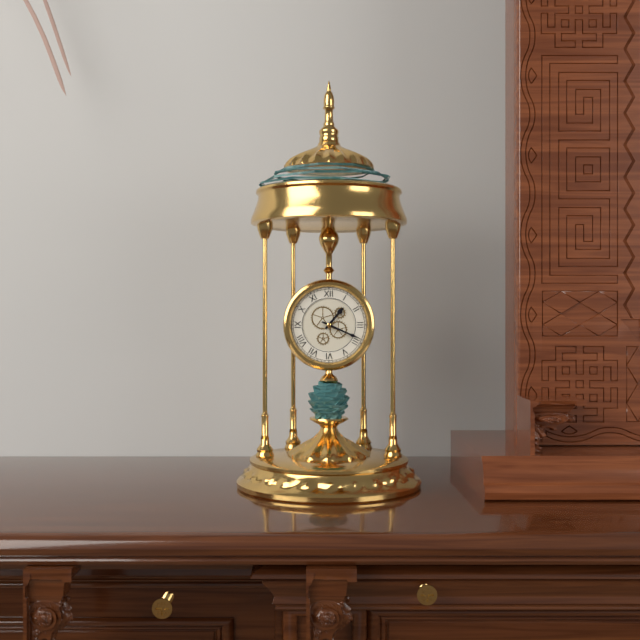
1:19
